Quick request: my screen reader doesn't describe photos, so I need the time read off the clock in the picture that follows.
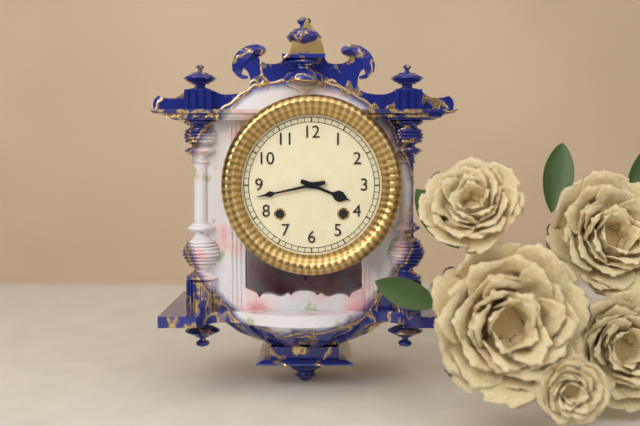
3:43
